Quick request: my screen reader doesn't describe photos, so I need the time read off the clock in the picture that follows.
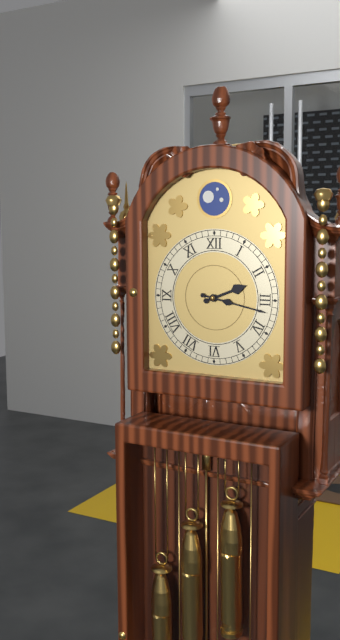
2:17
